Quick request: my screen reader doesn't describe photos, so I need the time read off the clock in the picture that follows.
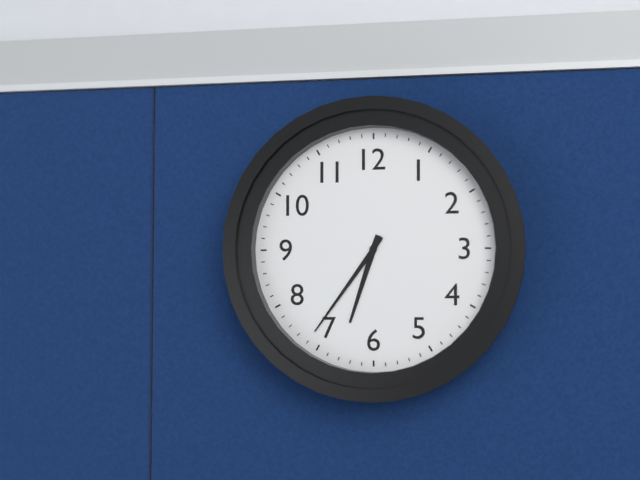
6:36
